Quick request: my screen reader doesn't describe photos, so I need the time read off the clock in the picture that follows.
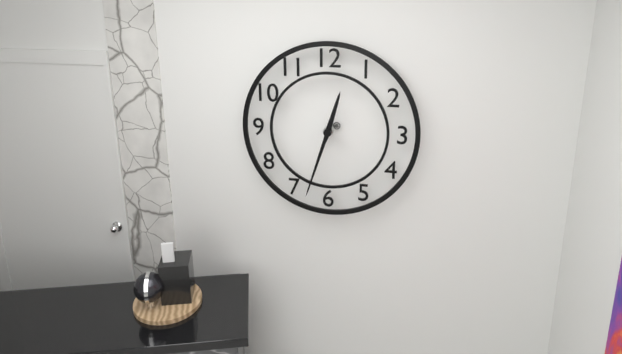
12:33
